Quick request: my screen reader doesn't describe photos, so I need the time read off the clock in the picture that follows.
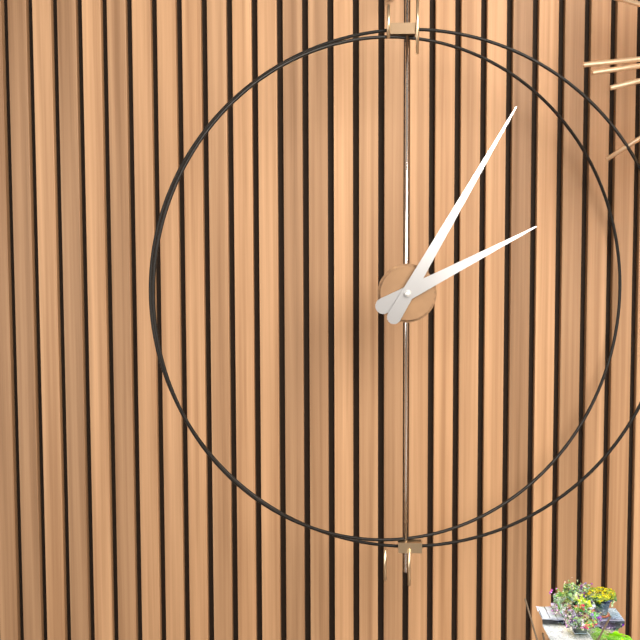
2:05
